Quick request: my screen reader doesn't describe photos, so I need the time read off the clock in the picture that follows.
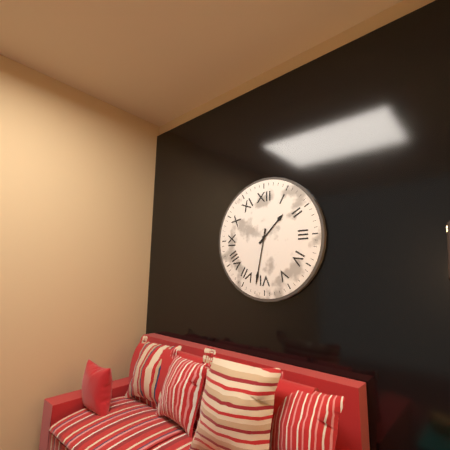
1:32
